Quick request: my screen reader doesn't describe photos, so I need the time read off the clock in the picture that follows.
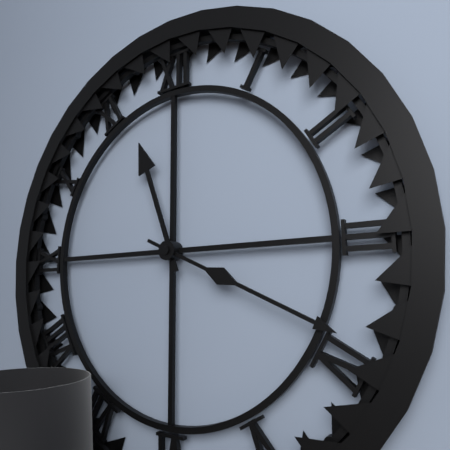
11:19
